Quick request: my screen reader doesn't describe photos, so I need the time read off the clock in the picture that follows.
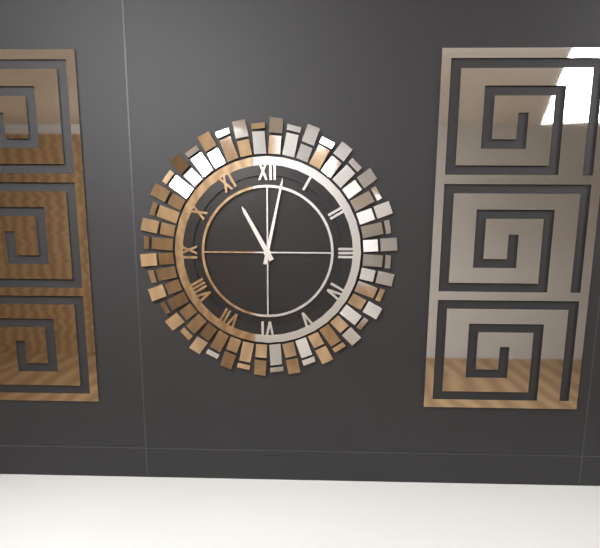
11:02
